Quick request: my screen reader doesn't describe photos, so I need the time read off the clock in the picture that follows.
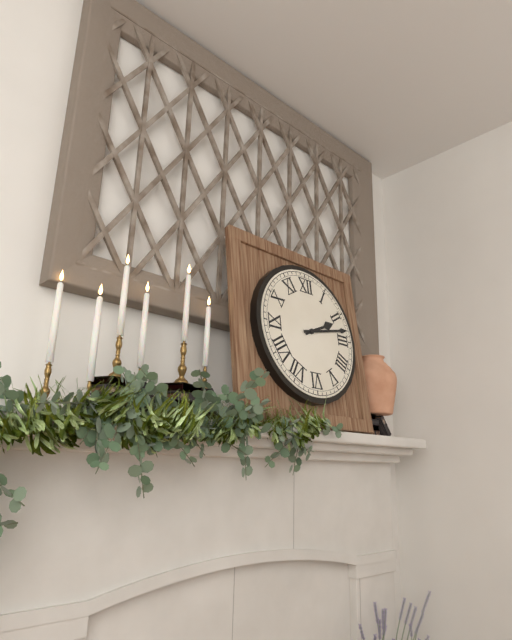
2:13
